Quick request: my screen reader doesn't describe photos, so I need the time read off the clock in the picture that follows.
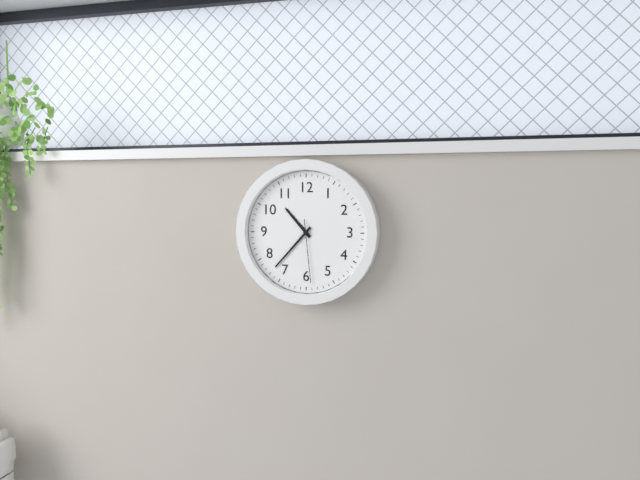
10:37:29
